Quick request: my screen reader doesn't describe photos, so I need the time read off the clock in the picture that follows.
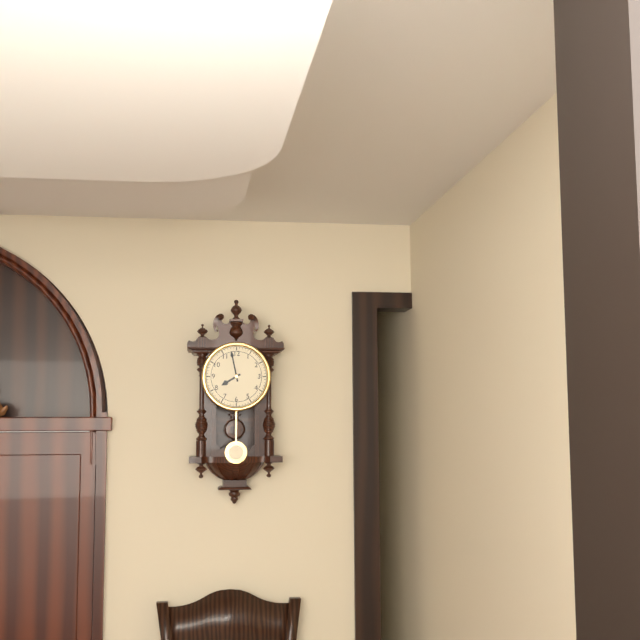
7:58
